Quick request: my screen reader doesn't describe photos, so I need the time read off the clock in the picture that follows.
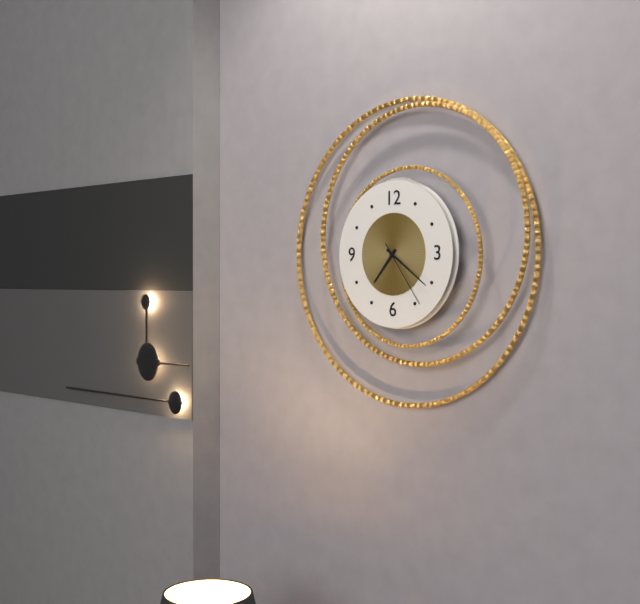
7:21:24
